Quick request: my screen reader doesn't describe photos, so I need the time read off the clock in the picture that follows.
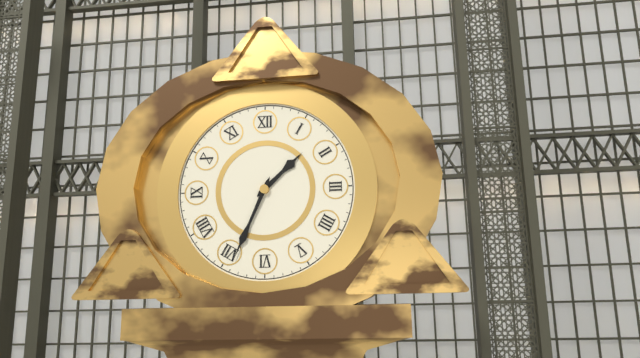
1:34
